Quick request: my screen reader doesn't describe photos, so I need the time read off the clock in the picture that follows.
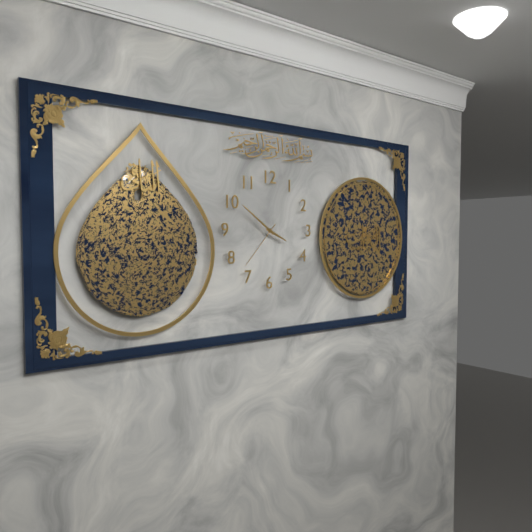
3:51:37
